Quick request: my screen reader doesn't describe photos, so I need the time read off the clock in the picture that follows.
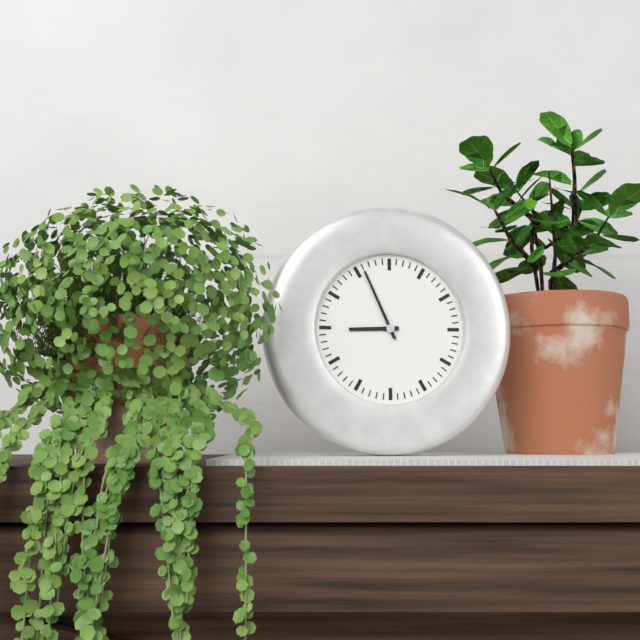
8:56
